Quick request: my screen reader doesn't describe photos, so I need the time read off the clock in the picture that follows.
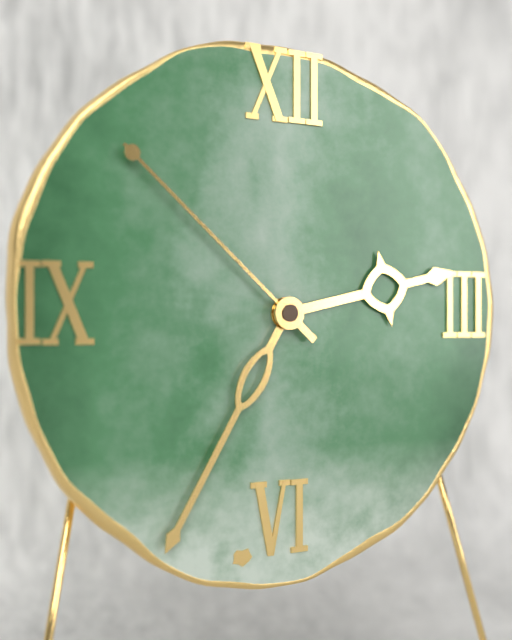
2:35:52
